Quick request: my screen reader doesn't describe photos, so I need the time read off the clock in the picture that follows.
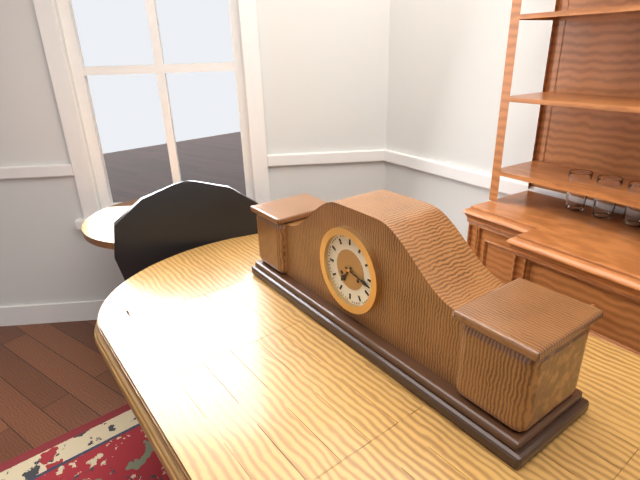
7:17
